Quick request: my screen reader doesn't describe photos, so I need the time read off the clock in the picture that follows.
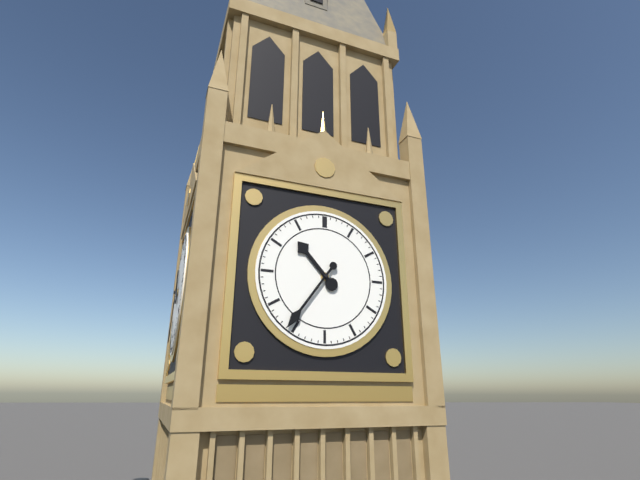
10:36
